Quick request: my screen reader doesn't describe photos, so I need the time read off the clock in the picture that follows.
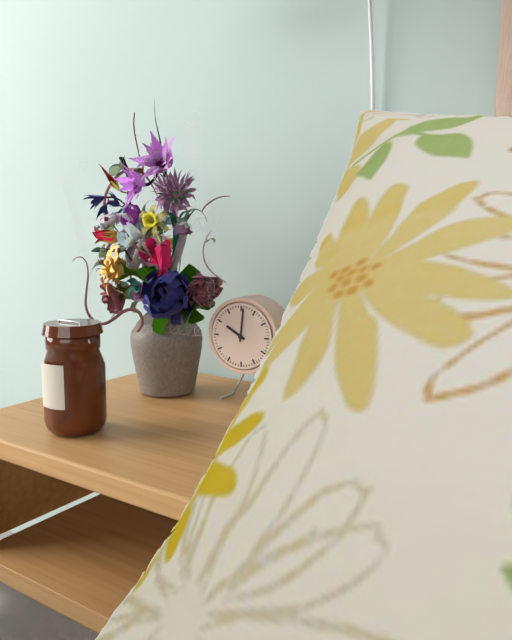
10:01
